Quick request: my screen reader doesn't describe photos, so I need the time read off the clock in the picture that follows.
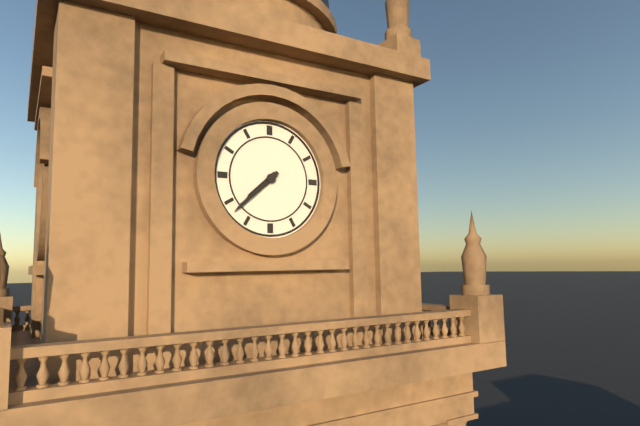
7:38
